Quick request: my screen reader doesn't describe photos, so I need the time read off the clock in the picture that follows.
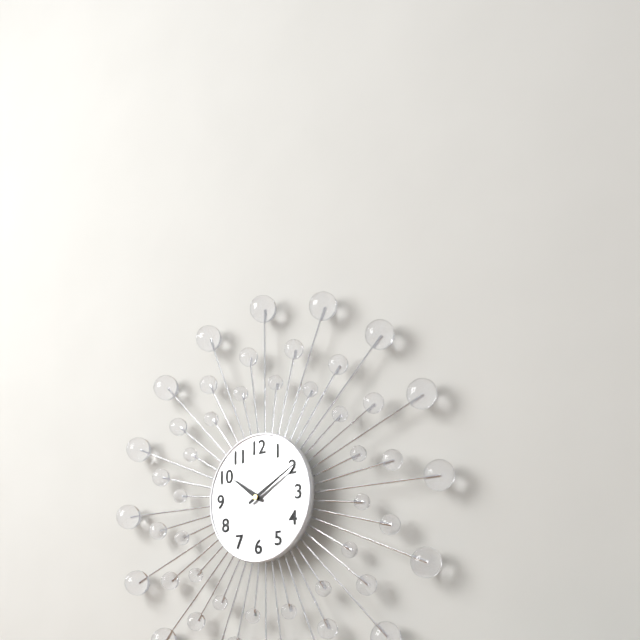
10:10
